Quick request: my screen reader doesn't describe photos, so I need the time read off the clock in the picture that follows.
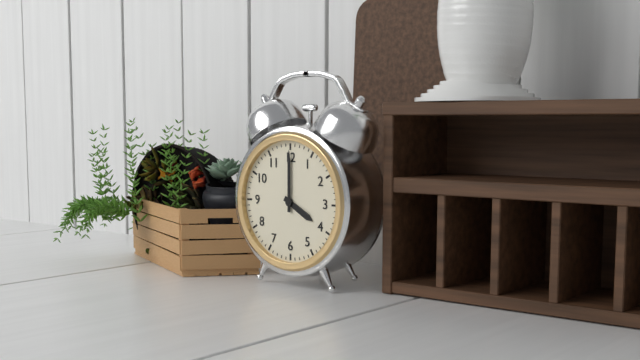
4:00
